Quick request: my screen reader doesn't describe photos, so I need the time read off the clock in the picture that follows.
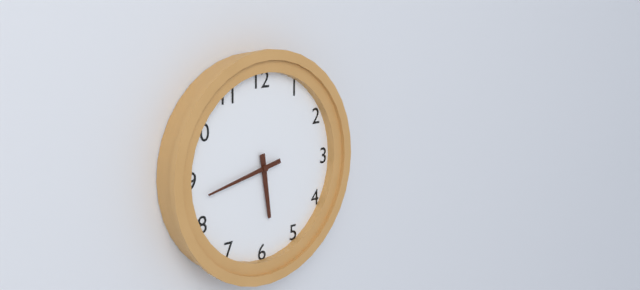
5:43
